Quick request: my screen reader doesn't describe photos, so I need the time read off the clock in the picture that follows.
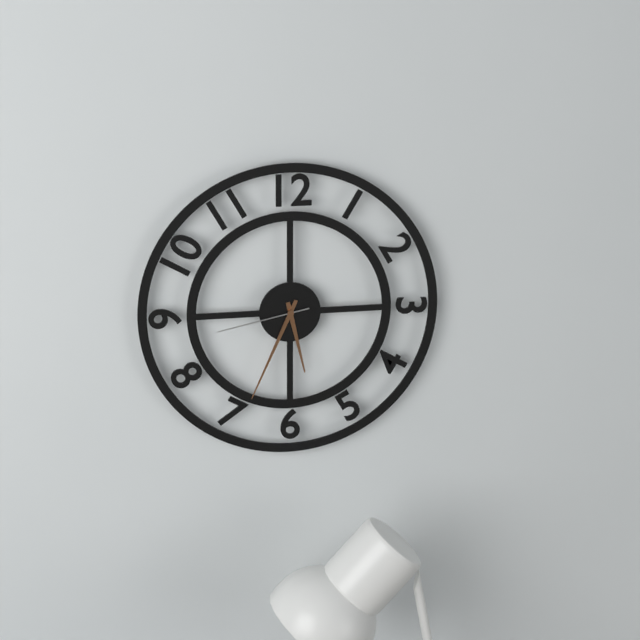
5:34:43
